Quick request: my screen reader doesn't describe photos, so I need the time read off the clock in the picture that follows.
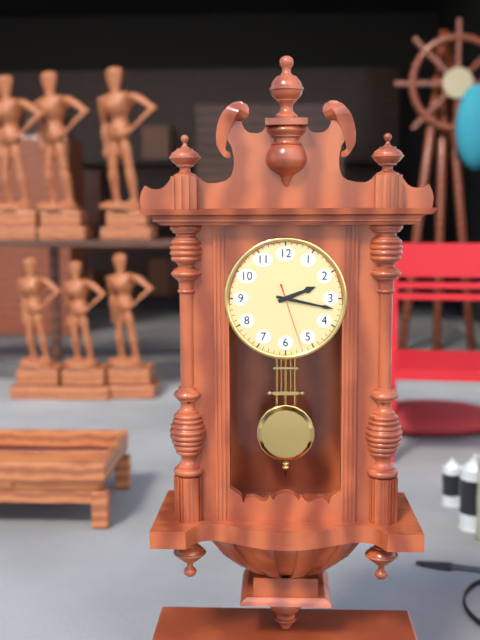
2:17:27
